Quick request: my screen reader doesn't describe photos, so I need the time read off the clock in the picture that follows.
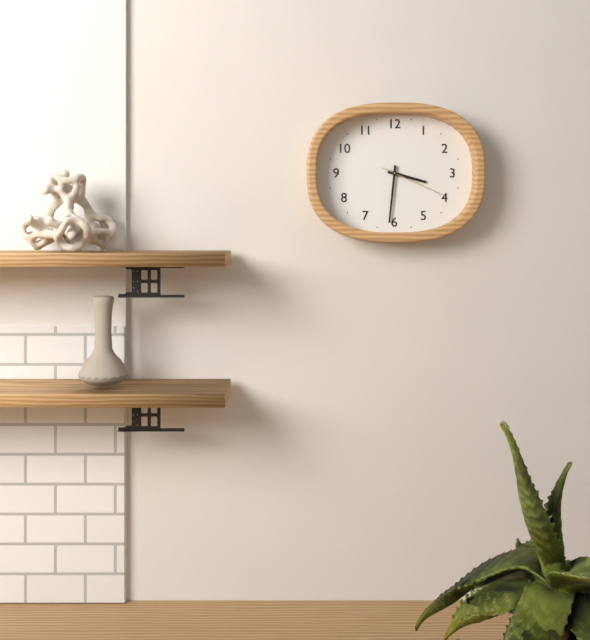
3:31:19
